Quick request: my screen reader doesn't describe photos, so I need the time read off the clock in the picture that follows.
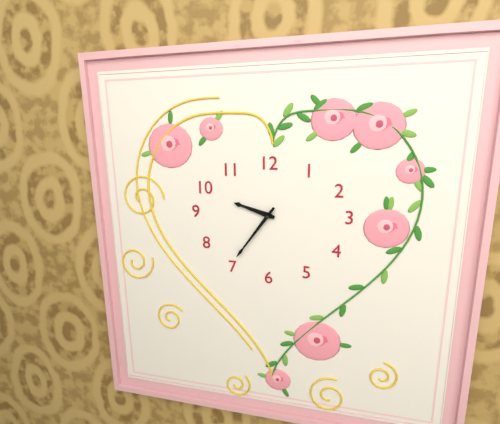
9:36
